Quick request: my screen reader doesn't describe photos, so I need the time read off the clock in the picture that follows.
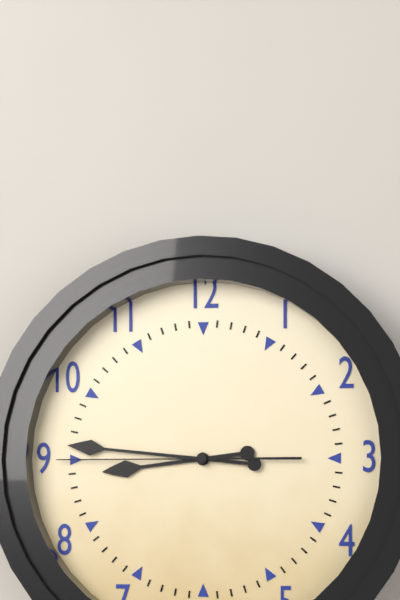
8:46:45
